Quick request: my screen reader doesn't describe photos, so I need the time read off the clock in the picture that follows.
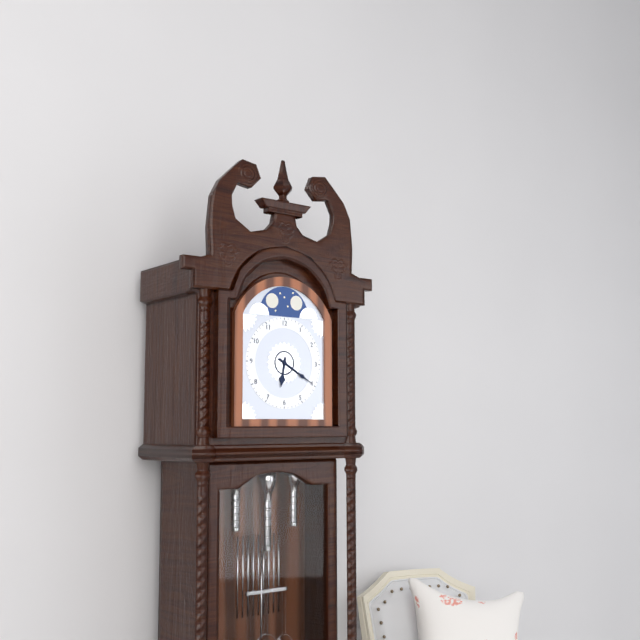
6:20
